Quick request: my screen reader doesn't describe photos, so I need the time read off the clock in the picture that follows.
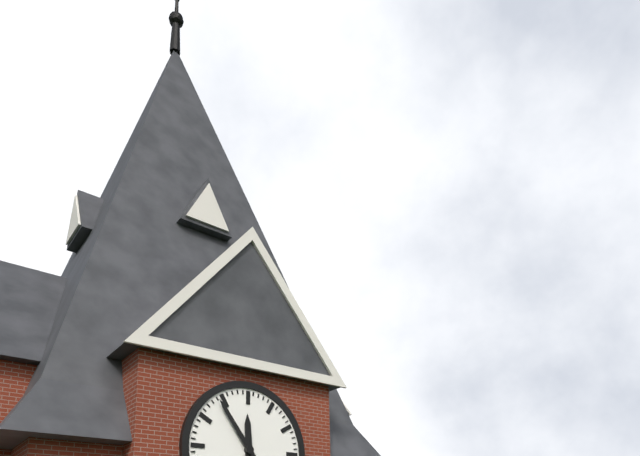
11:54
